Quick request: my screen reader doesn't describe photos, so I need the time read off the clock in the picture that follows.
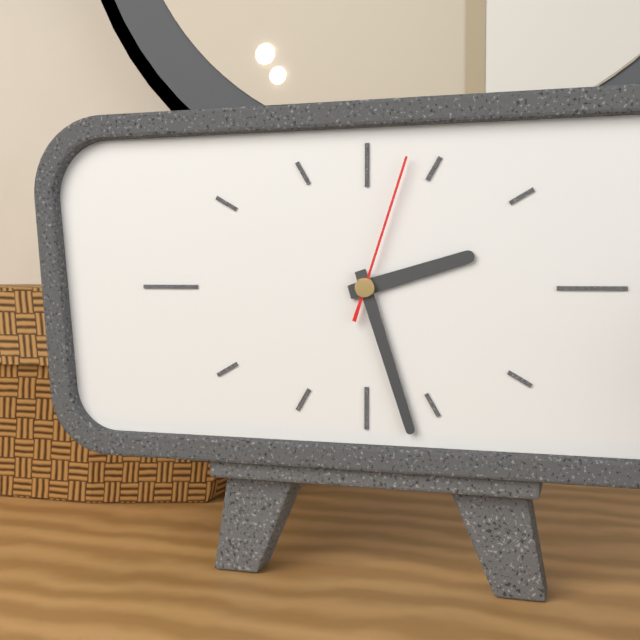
2:27:03
